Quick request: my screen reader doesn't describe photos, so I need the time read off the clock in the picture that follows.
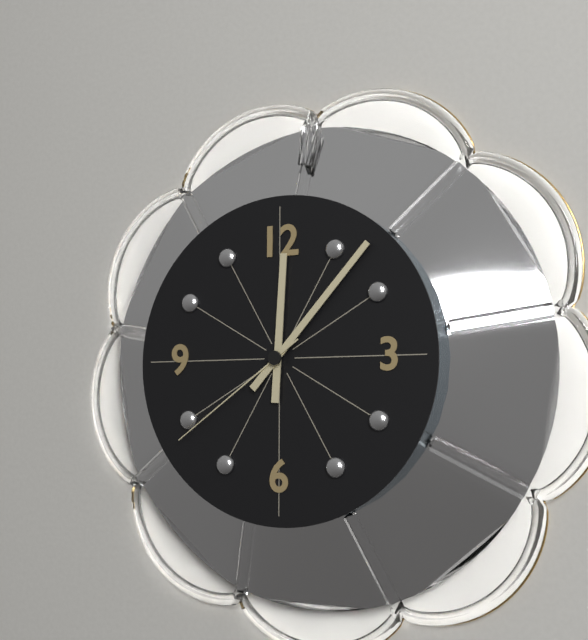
12:07:39
